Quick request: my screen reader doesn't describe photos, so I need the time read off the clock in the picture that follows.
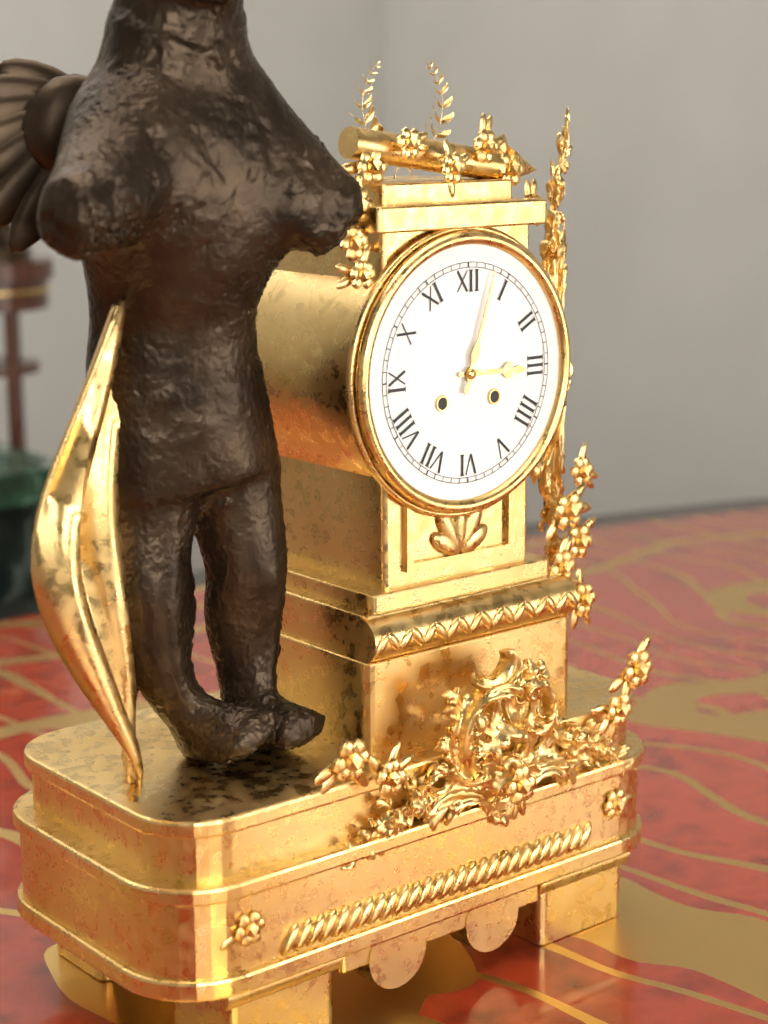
3:03
